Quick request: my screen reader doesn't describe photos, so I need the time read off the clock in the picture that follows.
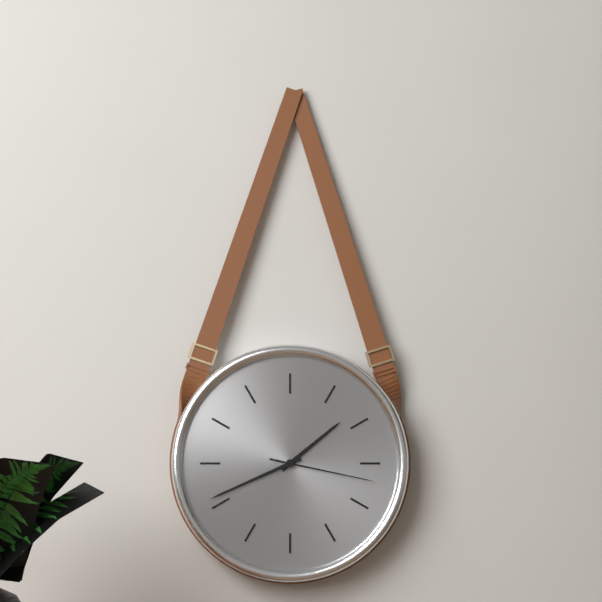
1:41:17
